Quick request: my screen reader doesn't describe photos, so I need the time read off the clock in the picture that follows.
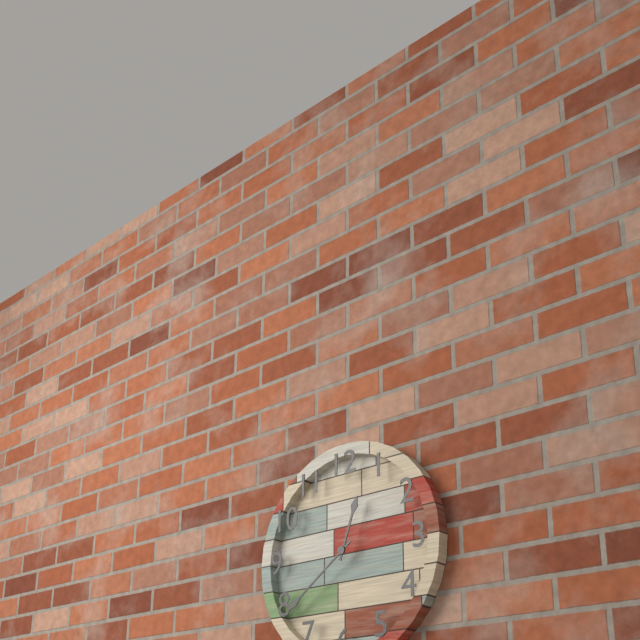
12:39
